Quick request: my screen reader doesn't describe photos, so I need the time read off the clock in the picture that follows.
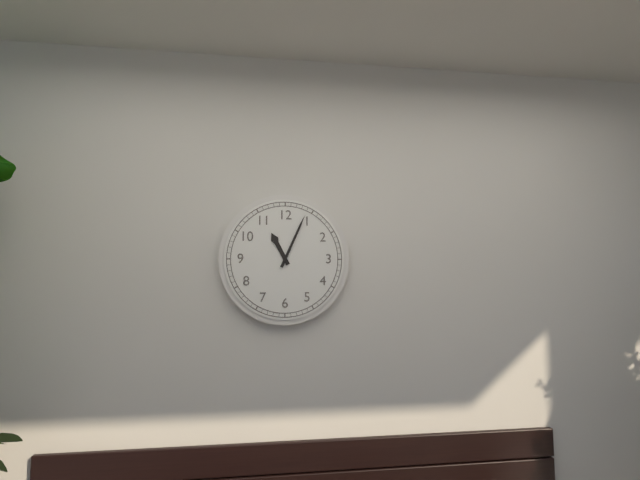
11:04
